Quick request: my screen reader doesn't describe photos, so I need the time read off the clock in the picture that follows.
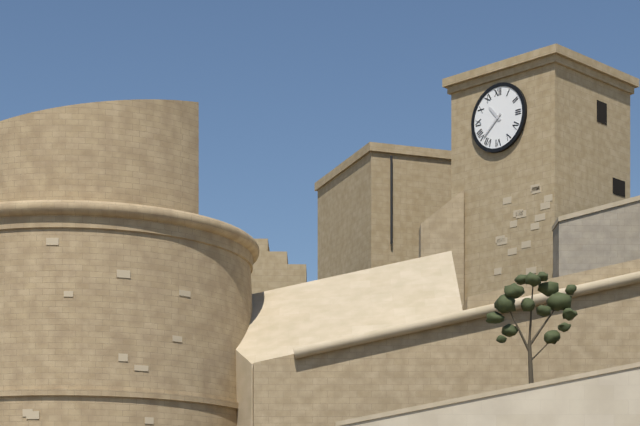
10:38
